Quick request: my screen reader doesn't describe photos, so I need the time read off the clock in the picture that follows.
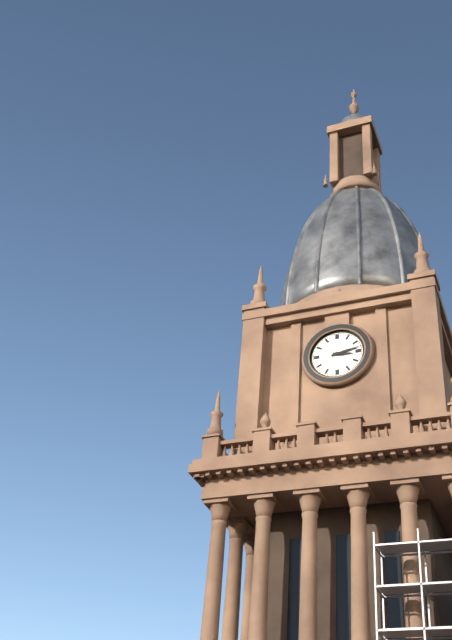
3:13
